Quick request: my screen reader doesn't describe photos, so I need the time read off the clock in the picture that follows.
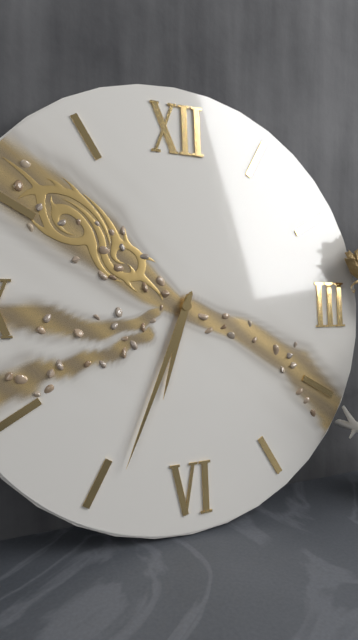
6:34
